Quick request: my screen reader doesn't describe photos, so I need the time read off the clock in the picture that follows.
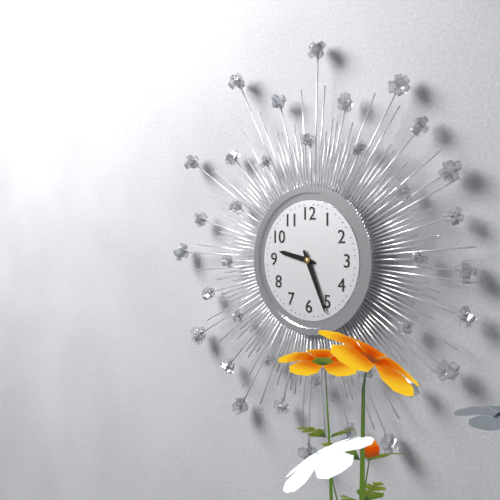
9:26
